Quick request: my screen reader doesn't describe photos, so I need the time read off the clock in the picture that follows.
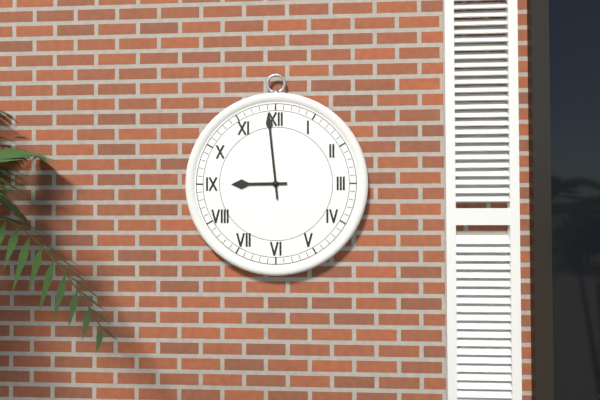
8:59
